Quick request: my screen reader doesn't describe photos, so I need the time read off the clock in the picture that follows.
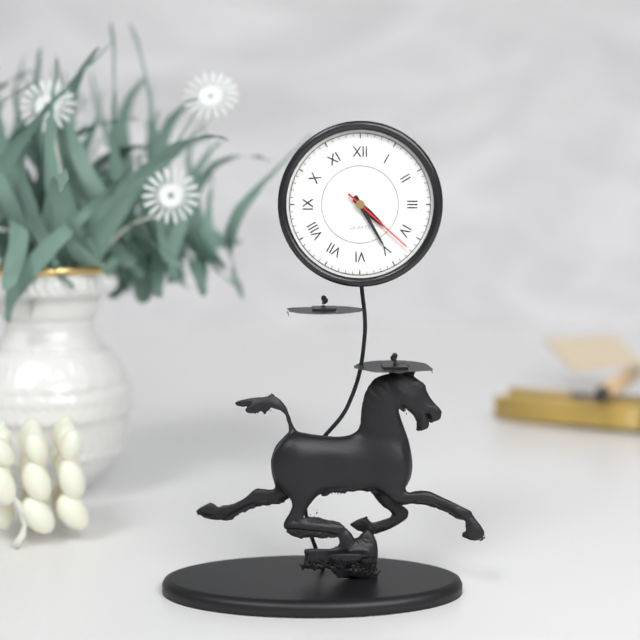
4:25:22
